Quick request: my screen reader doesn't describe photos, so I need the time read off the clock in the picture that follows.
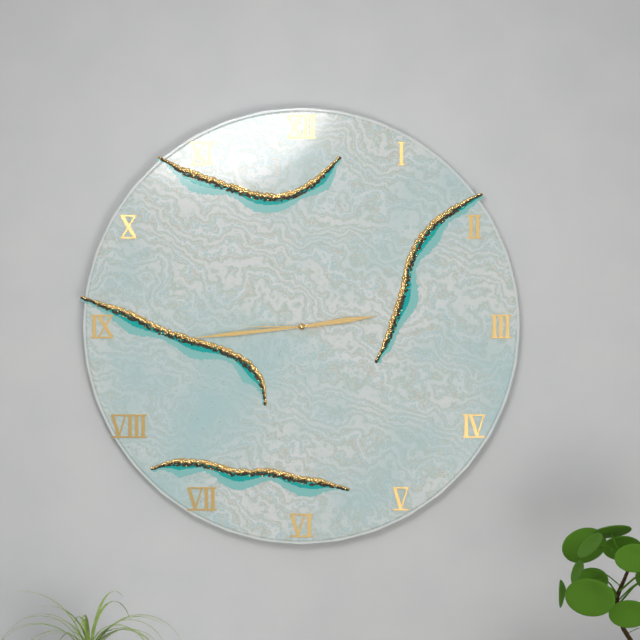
2:44:45
